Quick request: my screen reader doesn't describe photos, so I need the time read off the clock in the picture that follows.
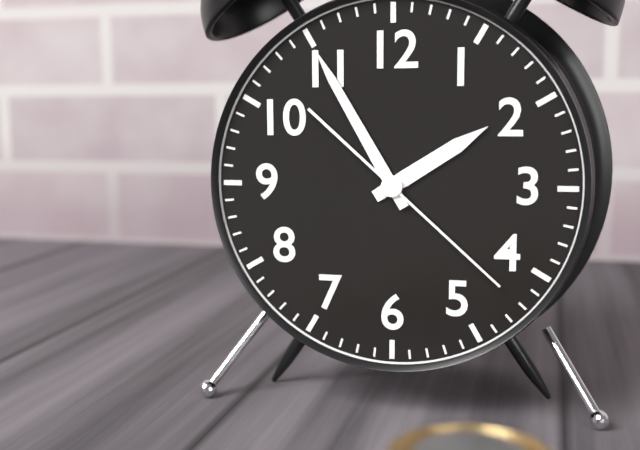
1:55:22
